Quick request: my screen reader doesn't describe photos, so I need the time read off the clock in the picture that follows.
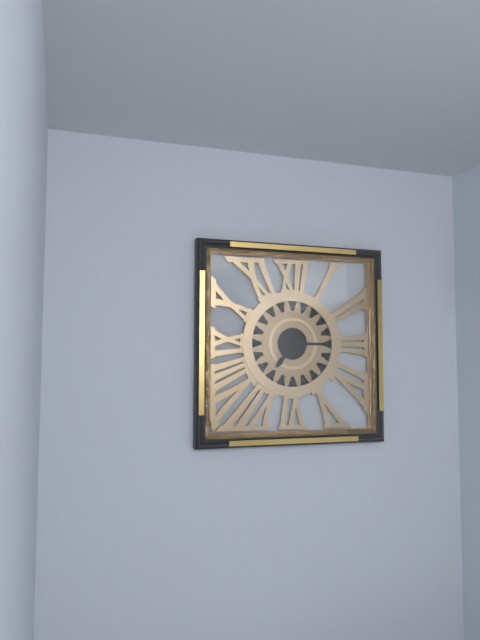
7:15
